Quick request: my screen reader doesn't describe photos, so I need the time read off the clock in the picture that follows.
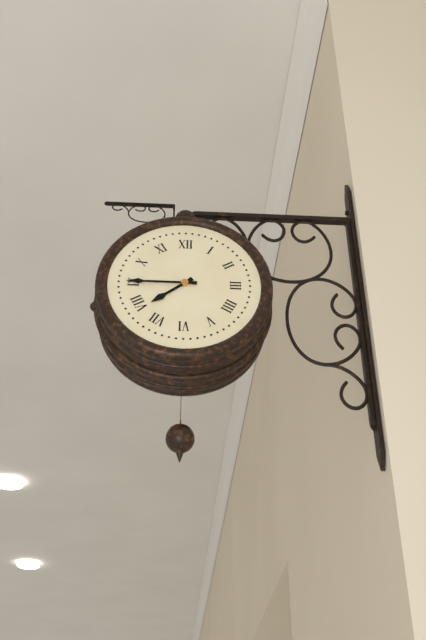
7:45
